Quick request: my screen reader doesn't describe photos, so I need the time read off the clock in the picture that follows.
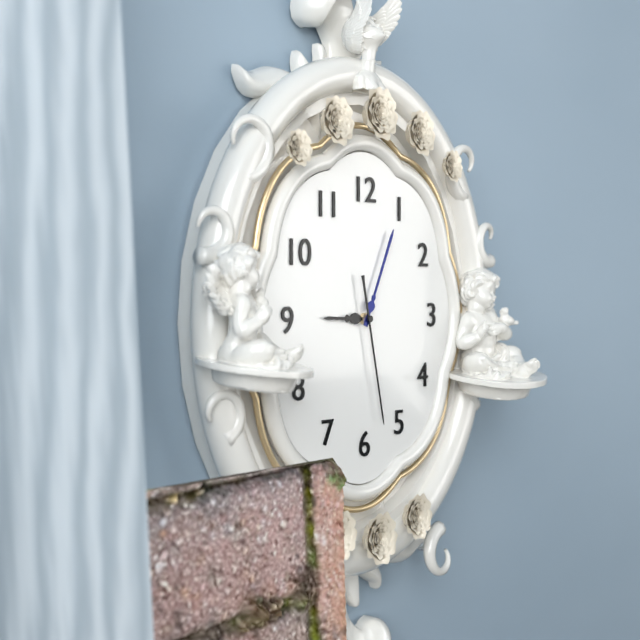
9:04:28
